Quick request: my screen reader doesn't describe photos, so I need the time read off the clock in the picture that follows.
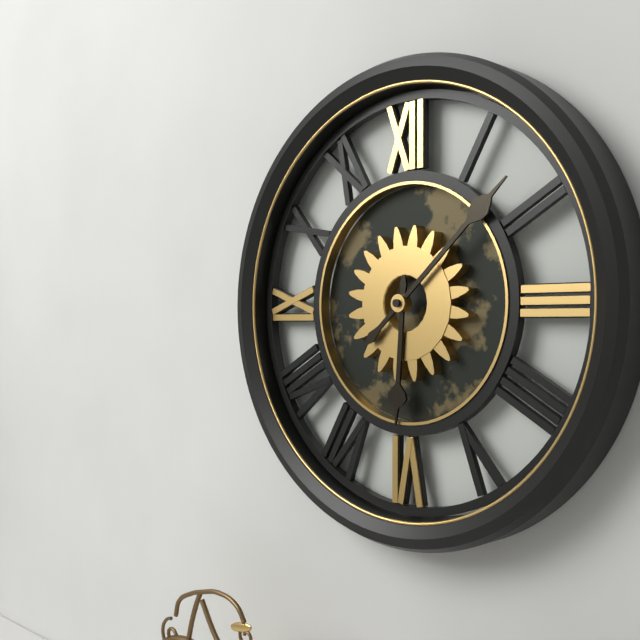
6:08
